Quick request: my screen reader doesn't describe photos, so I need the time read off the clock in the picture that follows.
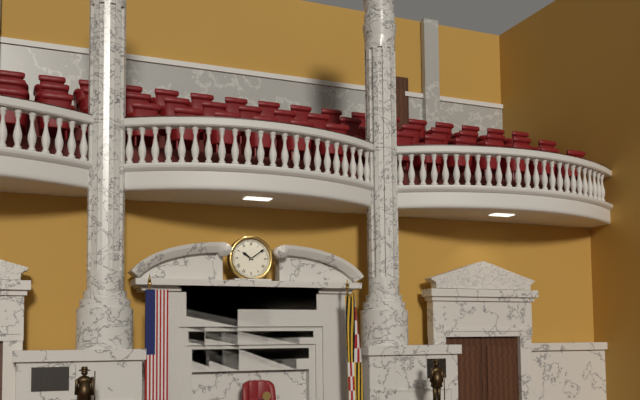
10:09
